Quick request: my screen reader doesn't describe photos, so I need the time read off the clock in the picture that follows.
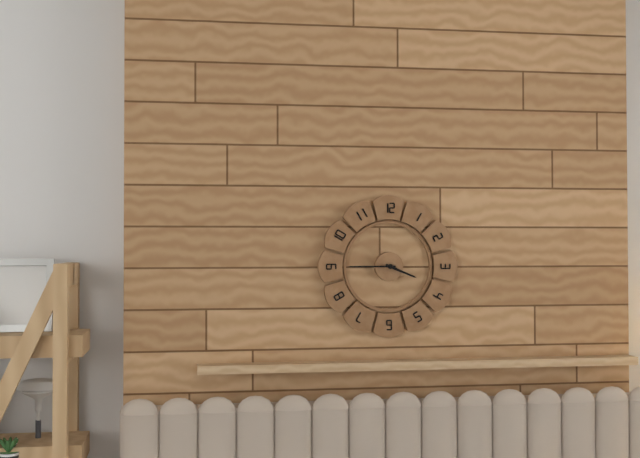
3:45
